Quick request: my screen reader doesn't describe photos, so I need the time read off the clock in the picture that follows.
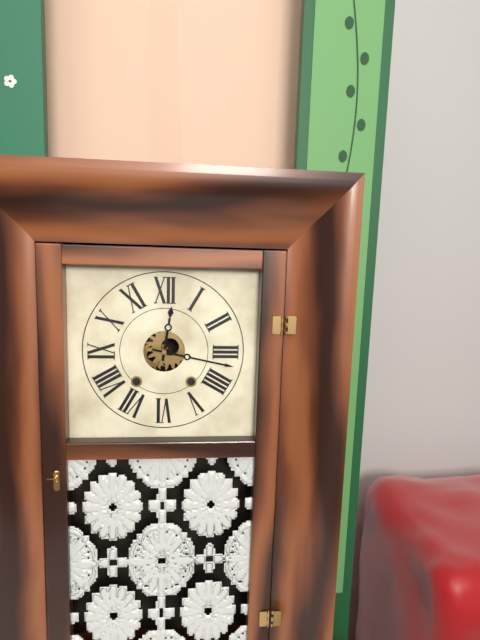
12:17
